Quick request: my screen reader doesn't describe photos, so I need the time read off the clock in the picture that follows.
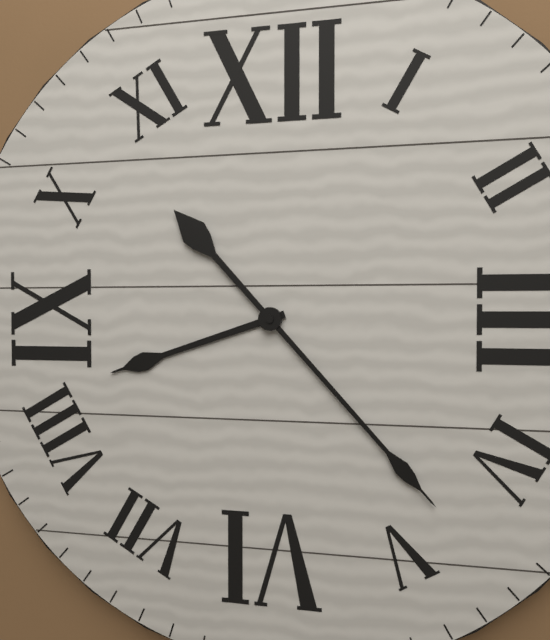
8:23
